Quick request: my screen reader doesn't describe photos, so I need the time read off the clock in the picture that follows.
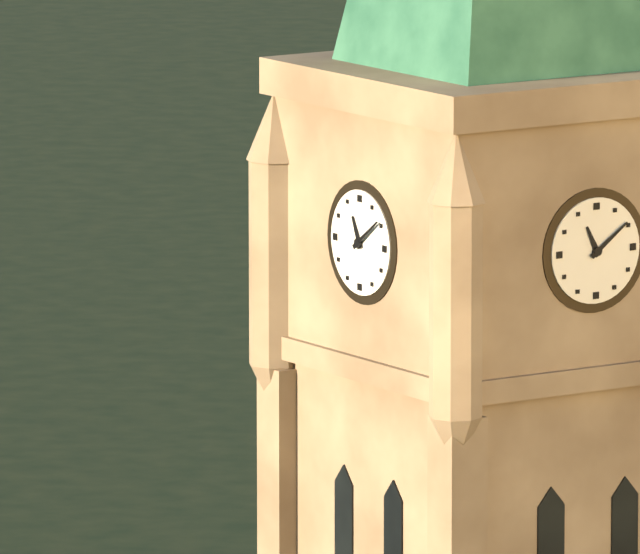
11:09
